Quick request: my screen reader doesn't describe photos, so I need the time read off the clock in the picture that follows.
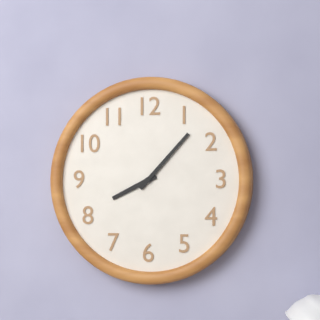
8:07
